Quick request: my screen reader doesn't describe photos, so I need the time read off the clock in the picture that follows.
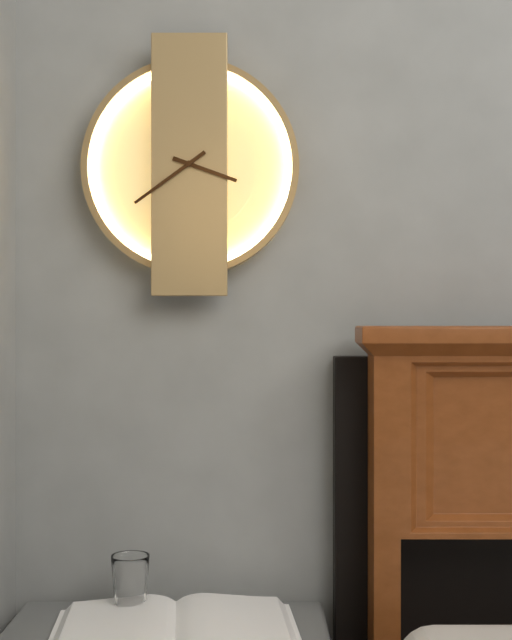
3:39
